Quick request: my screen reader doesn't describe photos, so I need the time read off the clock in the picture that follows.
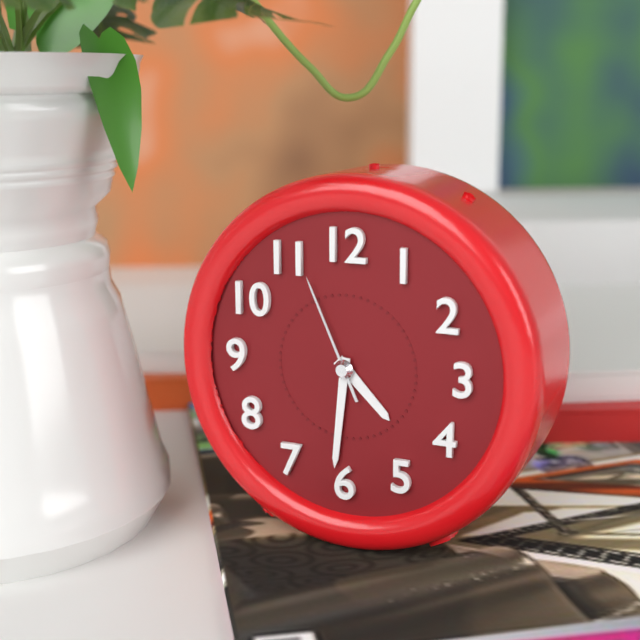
4:31:56
